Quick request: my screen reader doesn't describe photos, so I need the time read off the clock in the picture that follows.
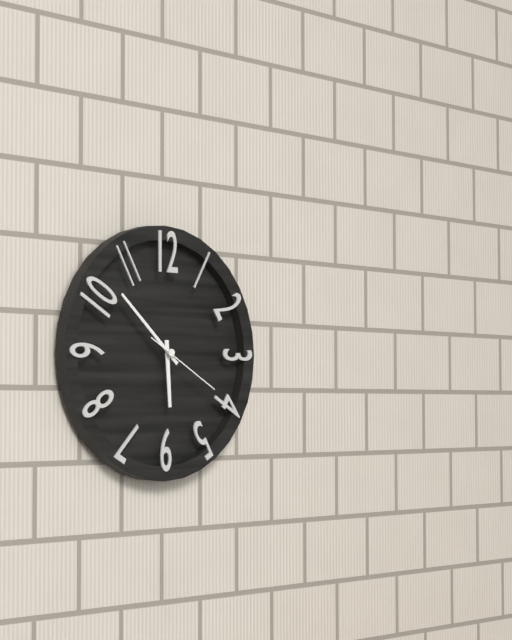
5:52:20
